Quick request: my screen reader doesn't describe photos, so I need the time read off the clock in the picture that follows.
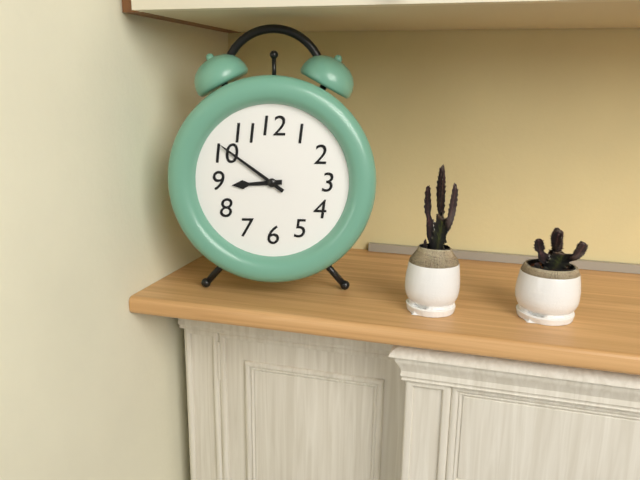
8:51
